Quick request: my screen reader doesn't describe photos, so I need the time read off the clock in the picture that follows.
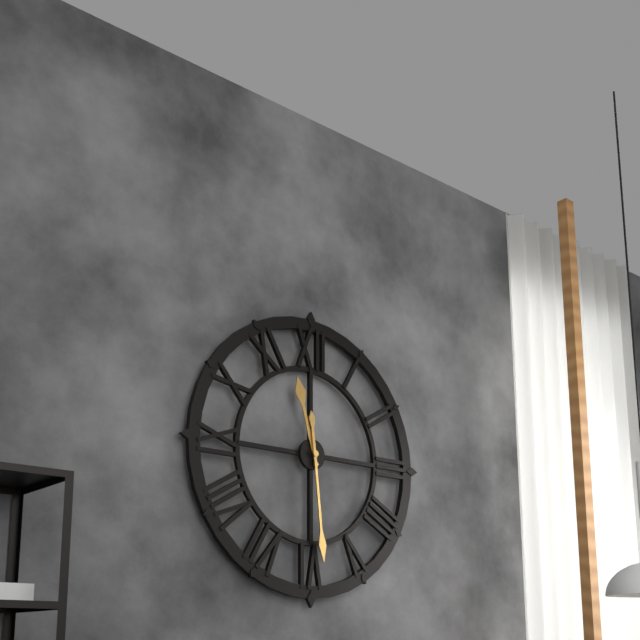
11:29
